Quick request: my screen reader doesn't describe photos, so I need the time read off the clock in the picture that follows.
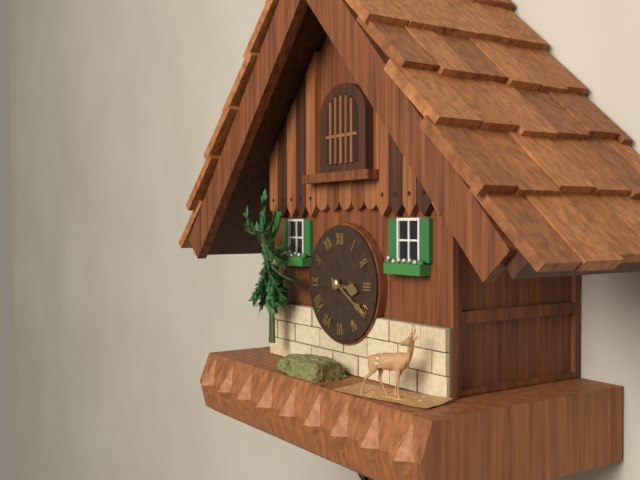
3:20
